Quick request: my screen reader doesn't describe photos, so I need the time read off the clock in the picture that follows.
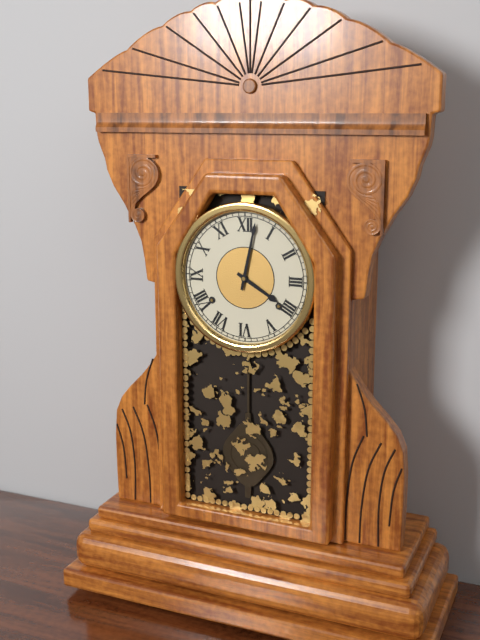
4:02
